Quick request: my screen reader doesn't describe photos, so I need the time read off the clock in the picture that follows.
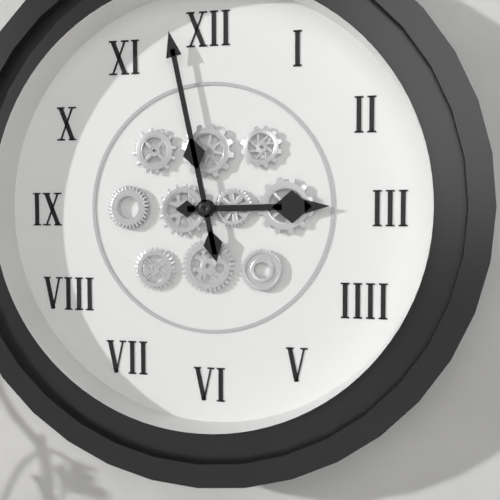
2:58
